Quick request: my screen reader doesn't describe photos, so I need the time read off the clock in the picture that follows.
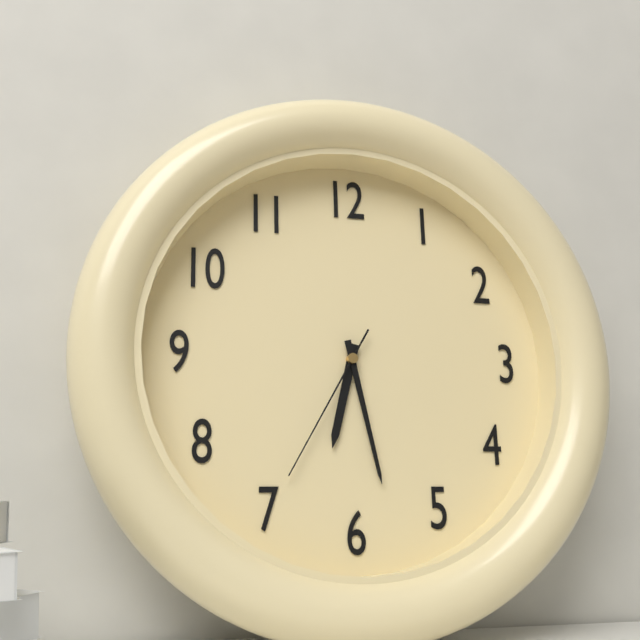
6:28:35
